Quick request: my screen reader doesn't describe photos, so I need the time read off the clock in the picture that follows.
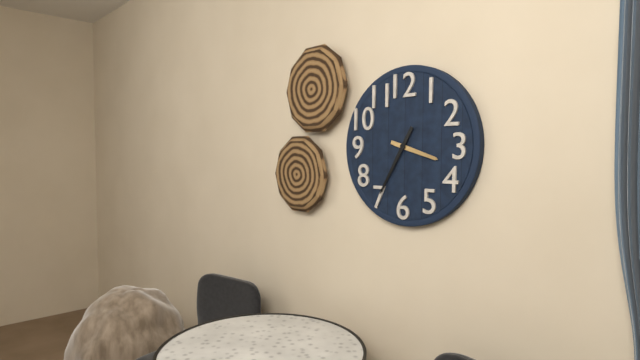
3:35
